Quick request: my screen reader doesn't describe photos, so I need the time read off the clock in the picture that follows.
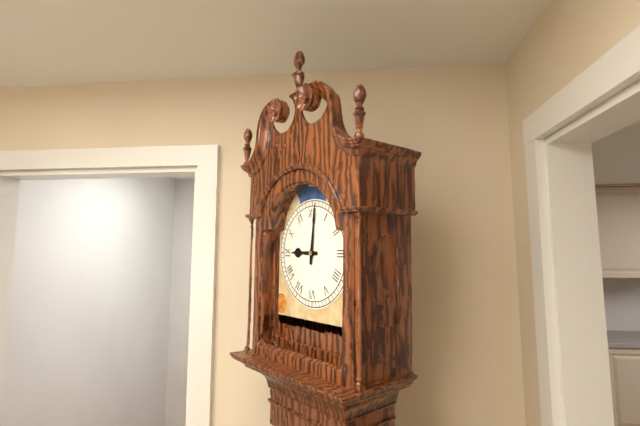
9:01
